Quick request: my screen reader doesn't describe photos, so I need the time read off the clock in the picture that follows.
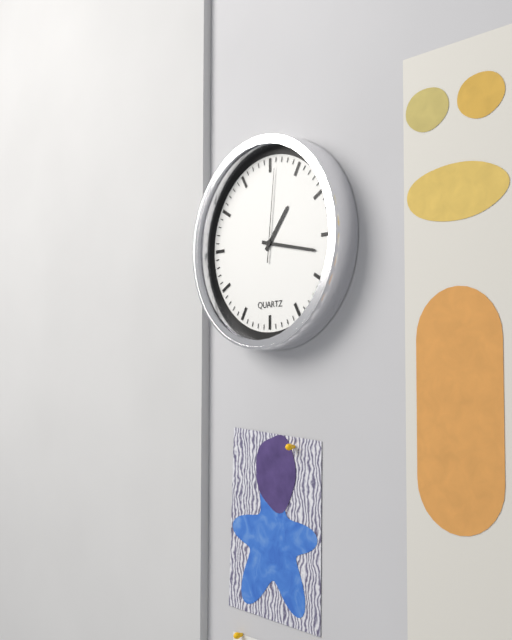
1:17:01
